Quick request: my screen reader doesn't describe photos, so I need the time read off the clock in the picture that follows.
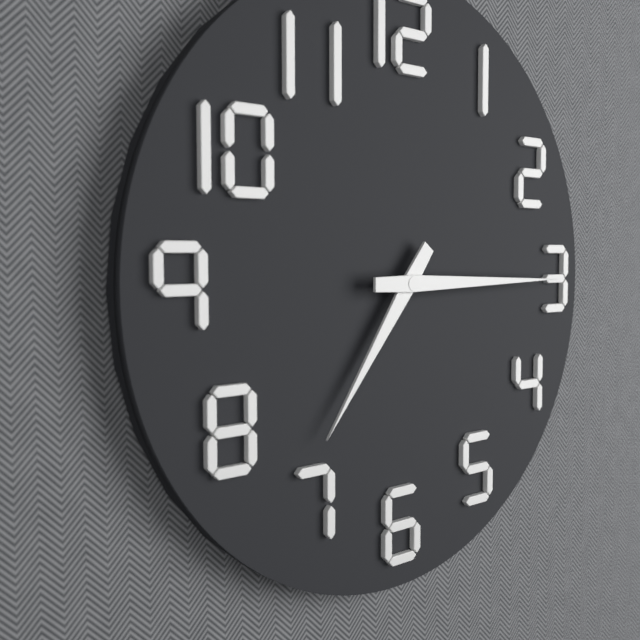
7:15
